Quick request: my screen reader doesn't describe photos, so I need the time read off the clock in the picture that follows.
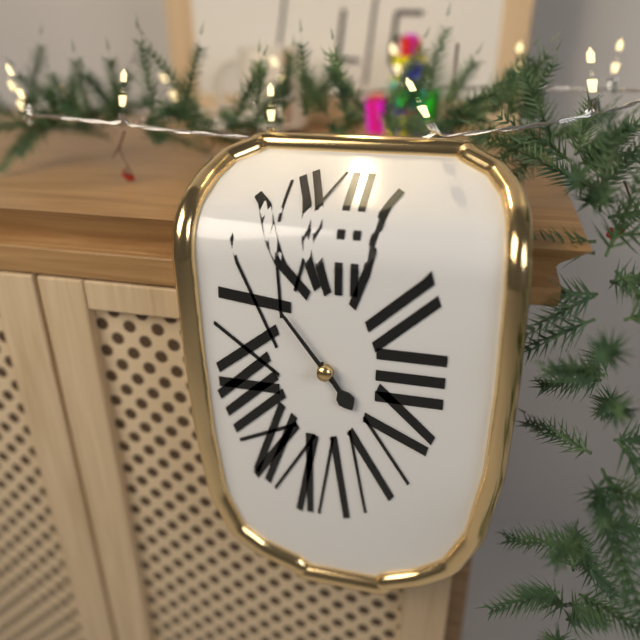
4:54
